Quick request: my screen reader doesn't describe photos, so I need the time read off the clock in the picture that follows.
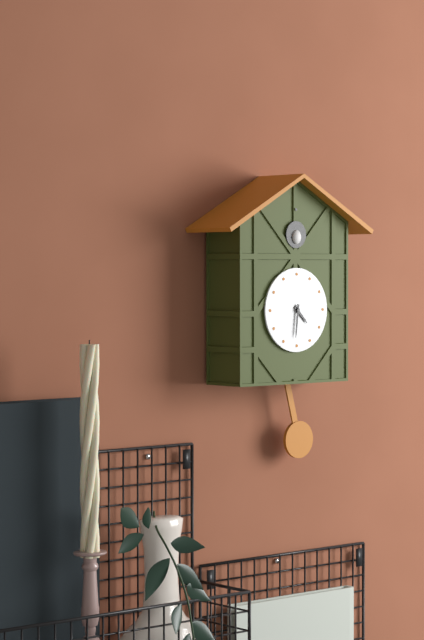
4:31
